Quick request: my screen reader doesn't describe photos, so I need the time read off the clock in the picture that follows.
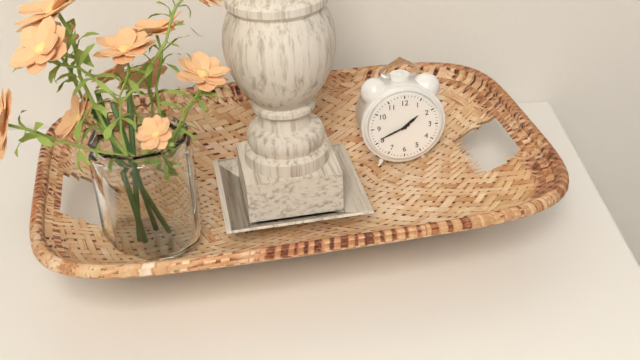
1:41
